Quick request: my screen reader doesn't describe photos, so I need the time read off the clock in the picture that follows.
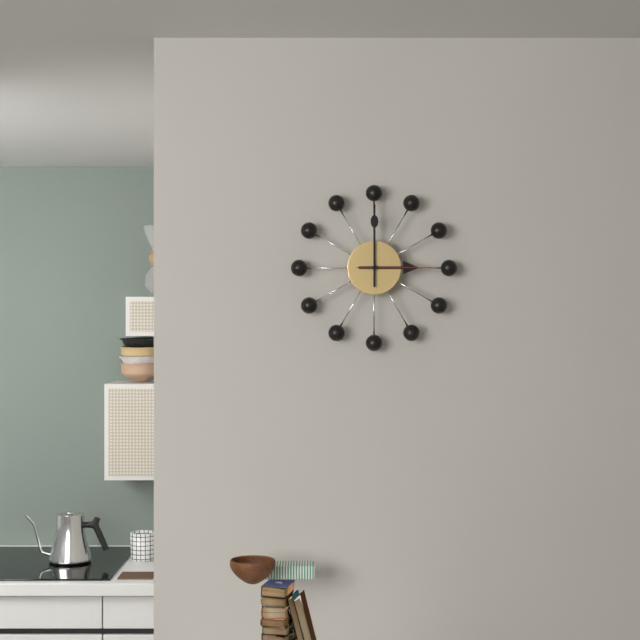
3:00:15
